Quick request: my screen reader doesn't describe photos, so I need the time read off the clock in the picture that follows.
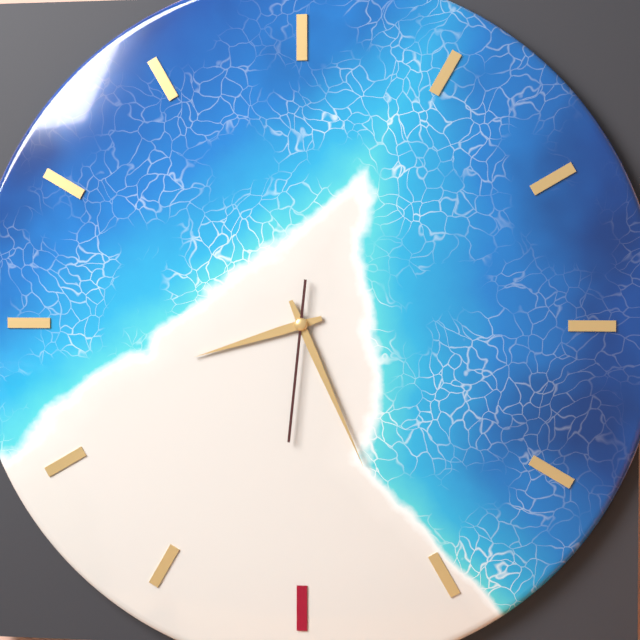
8:26:31
